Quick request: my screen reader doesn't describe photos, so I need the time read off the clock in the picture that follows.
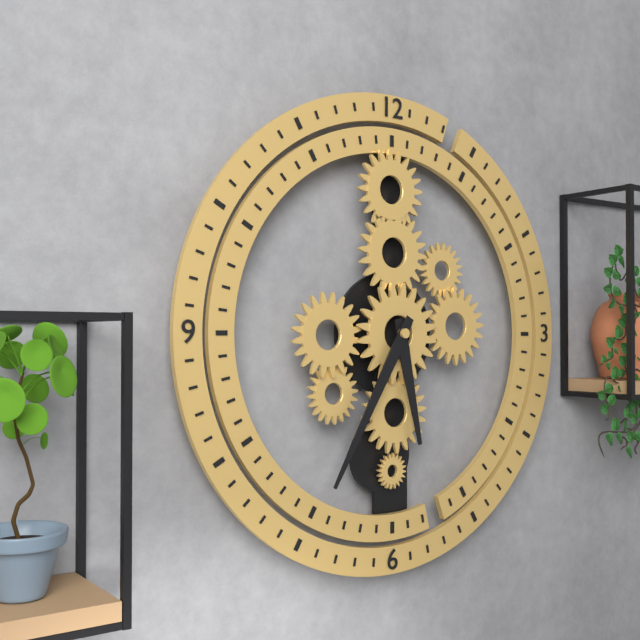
5:35
